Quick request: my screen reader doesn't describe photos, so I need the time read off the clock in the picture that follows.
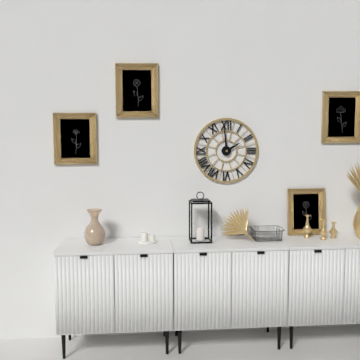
1:59
